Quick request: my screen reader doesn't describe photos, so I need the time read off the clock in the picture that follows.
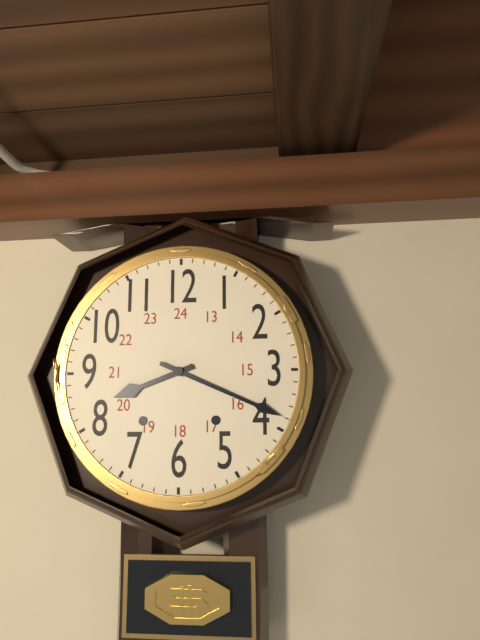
8:19
